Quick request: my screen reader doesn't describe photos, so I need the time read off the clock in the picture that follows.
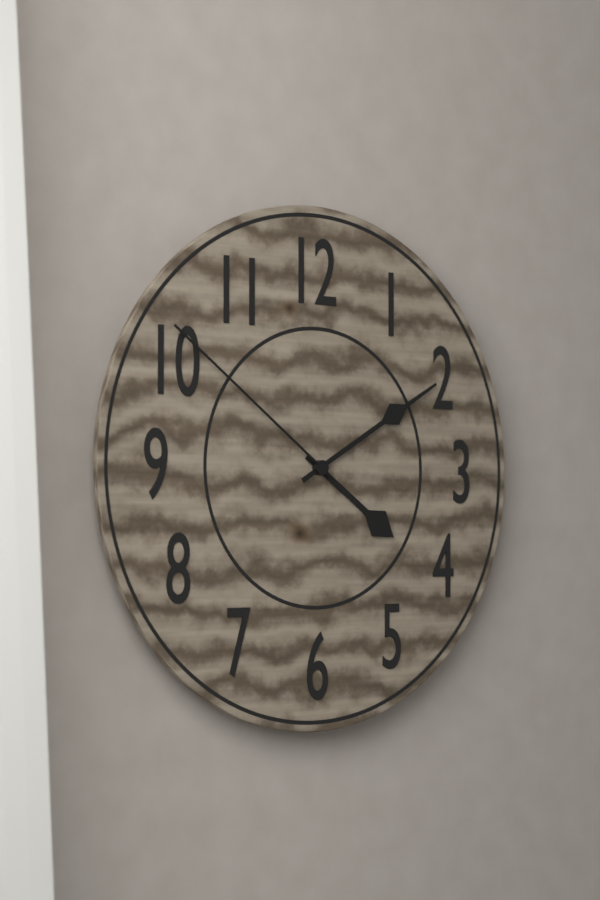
4:10:51
